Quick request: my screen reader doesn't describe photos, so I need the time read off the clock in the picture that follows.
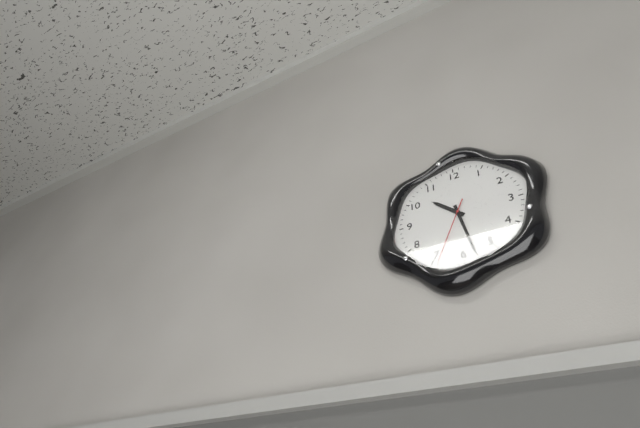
10:28:34
